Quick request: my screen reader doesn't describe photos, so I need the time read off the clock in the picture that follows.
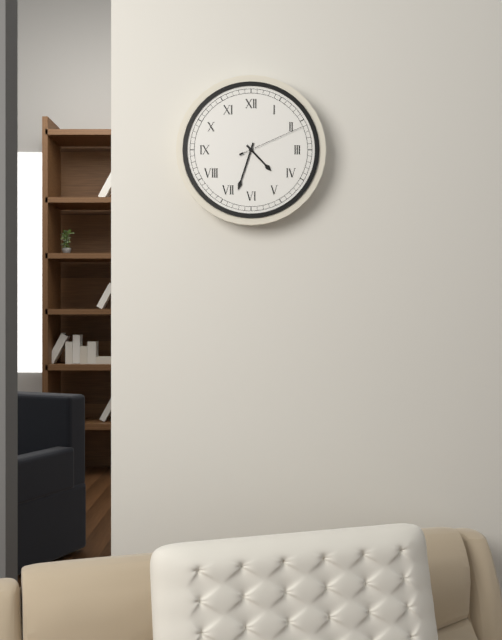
4:33:11
